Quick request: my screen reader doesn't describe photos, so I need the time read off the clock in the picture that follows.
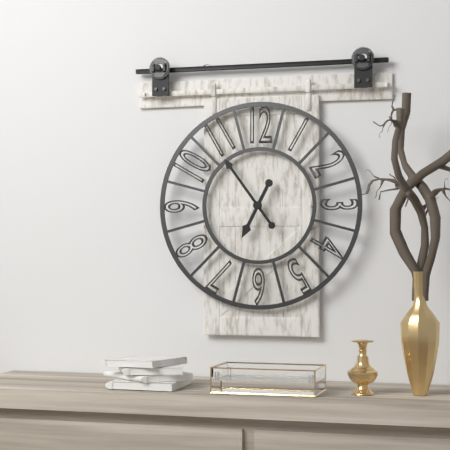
6:54
